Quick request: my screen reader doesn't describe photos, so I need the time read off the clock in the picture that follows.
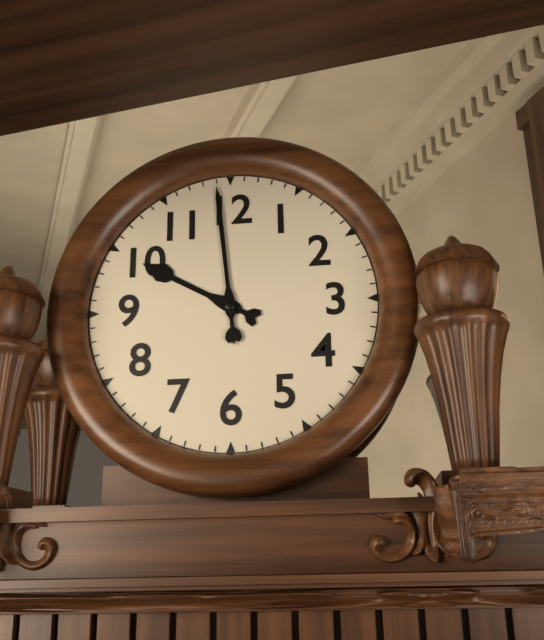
9:59
